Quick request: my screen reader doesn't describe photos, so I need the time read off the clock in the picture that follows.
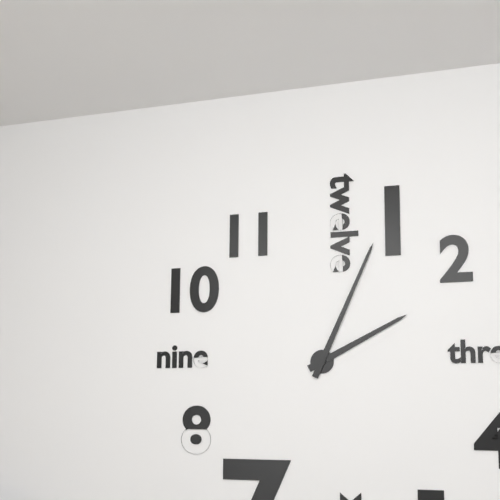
2:04
